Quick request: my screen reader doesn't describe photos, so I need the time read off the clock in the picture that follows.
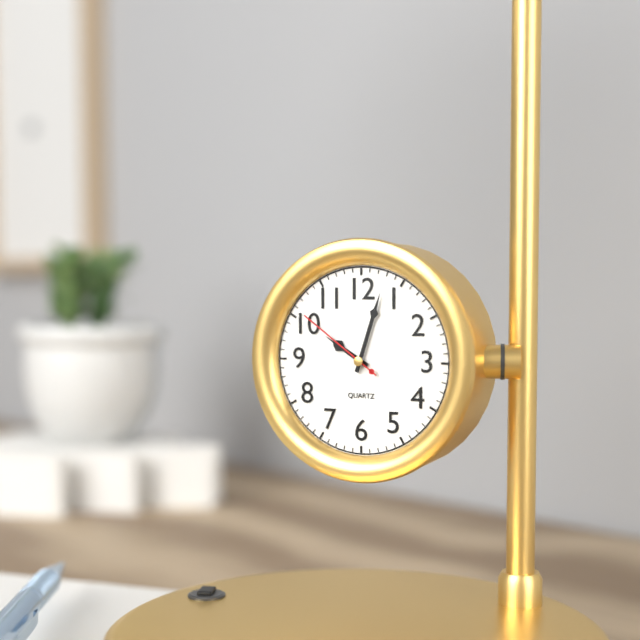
10:03:51
